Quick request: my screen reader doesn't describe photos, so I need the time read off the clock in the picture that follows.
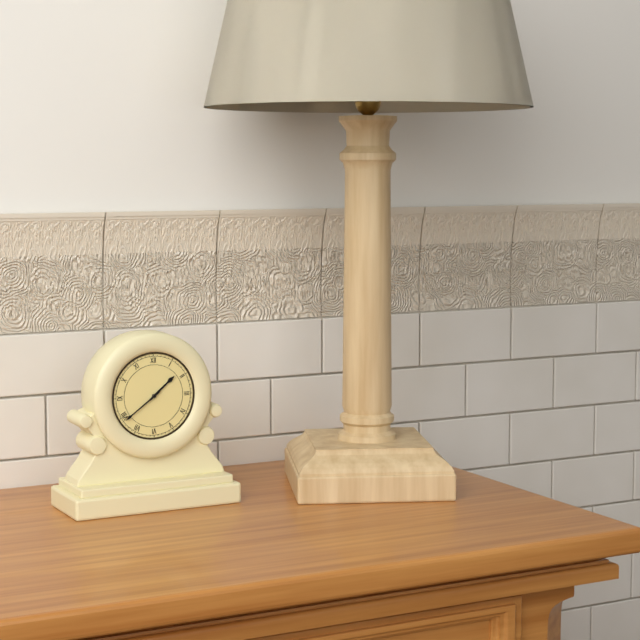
1:39
